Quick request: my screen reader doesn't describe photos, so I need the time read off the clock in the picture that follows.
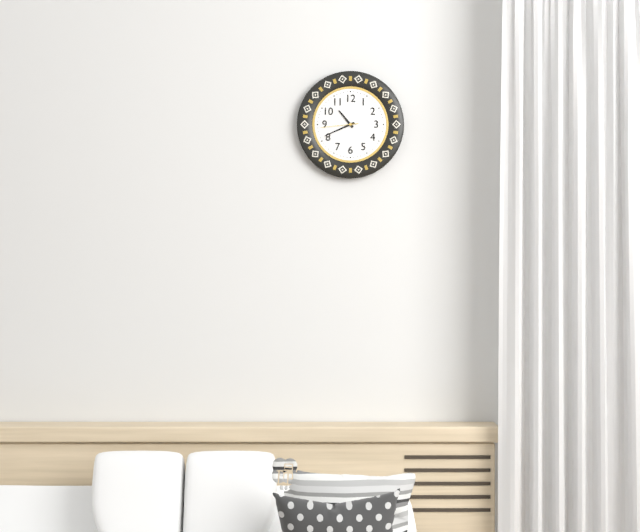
10:41
